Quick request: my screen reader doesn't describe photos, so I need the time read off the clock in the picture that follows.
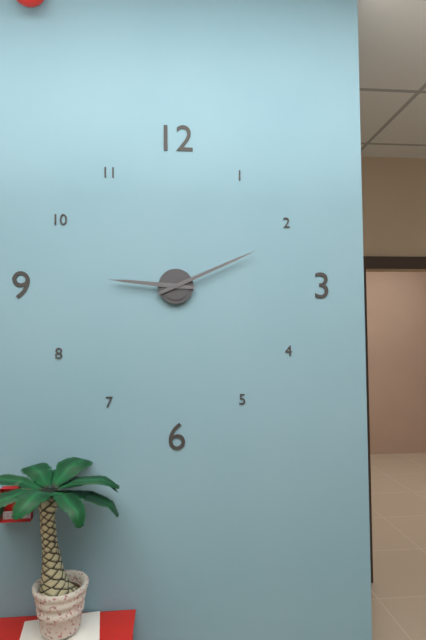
9:11
